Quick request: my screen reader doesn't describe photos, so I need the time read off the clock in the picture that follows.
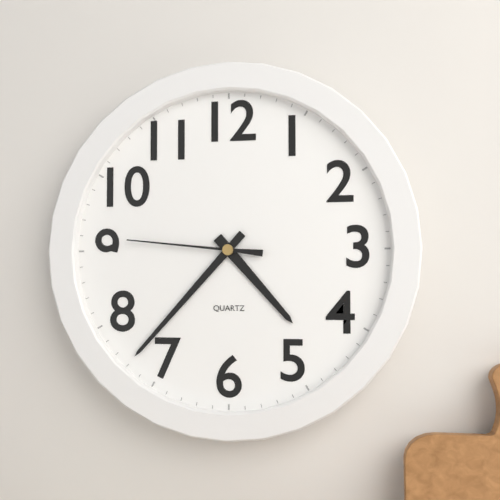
4:37:46
